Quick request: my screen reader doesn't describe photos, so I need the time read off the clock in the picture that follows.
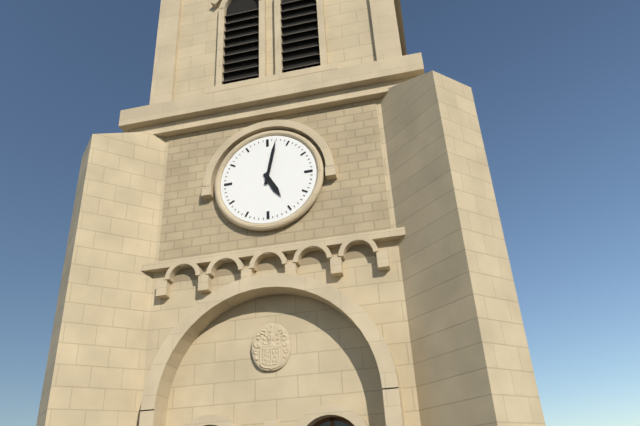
5:02
